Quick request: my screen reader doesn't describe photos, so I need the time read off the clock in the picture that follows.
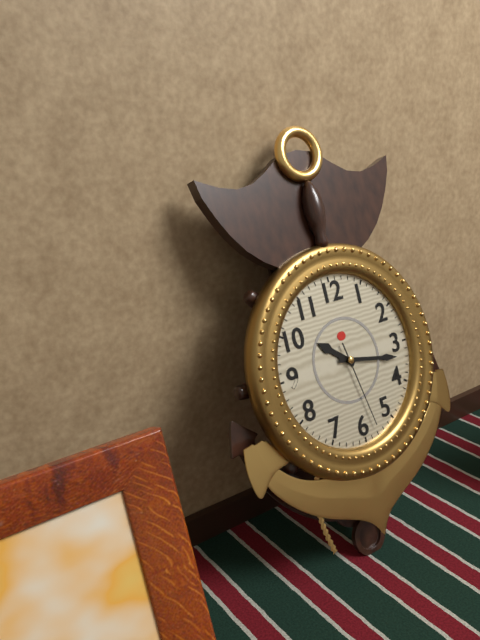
10:17:28
